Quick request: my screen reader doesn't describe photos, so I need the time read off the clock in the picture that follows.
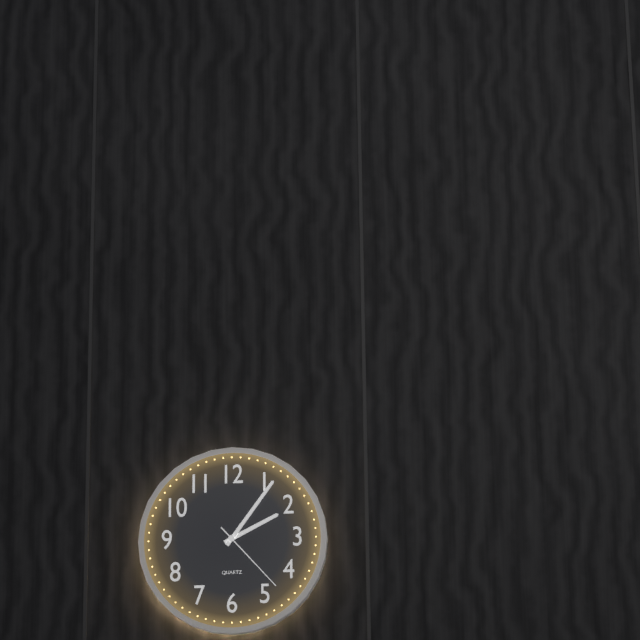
2:06:23
